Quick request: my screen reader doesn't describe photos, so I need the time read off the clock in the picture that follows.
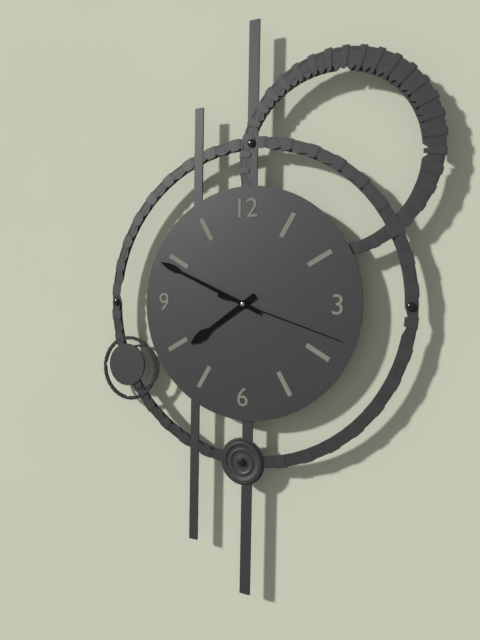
7:49:18
